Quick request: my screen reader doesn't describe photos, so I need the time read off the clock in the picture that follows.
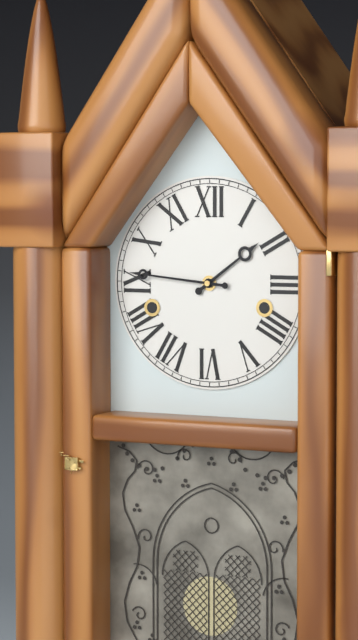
1:46
